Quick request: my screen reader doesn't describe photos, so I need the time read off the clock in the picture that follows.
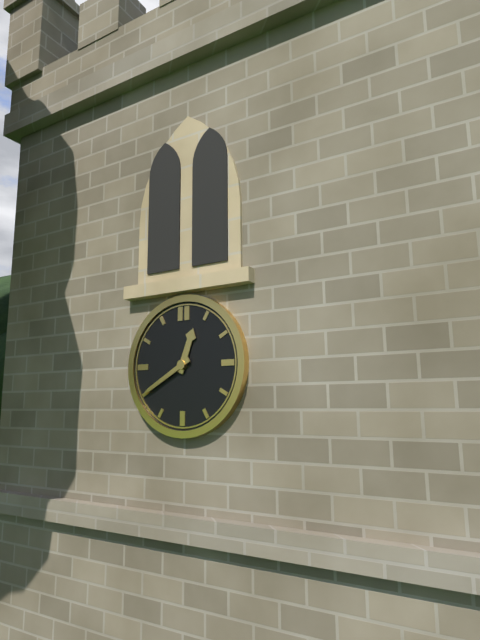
12:40
